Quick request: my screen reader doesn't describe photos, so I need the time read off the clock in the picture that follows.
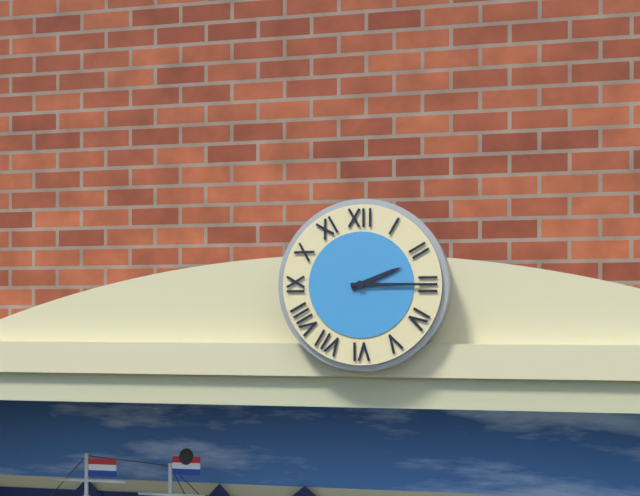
2:15
